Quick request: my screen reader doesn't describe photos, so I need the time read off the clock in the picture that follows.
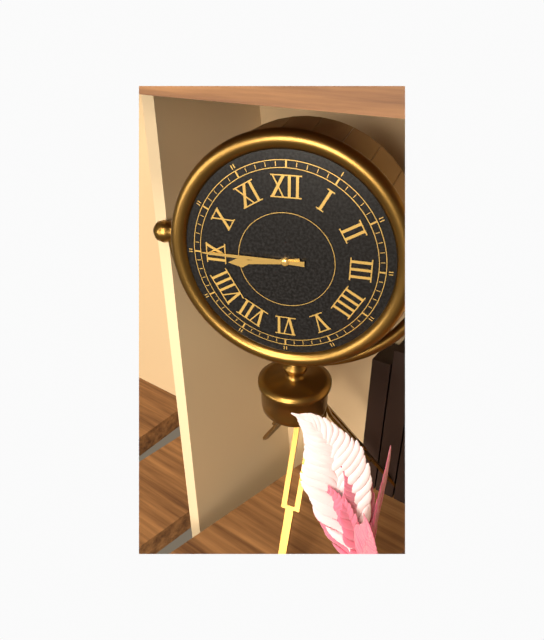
8:45
